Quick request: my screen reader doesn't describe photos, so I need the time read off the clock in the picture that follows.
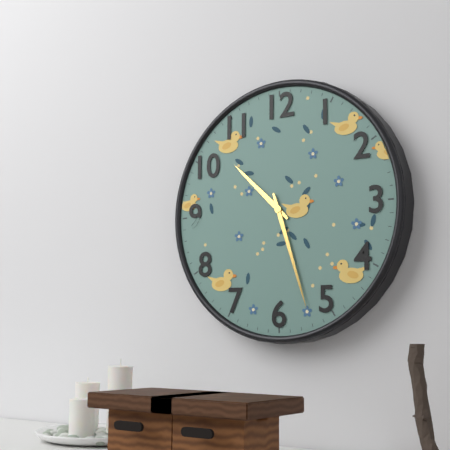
10:27
